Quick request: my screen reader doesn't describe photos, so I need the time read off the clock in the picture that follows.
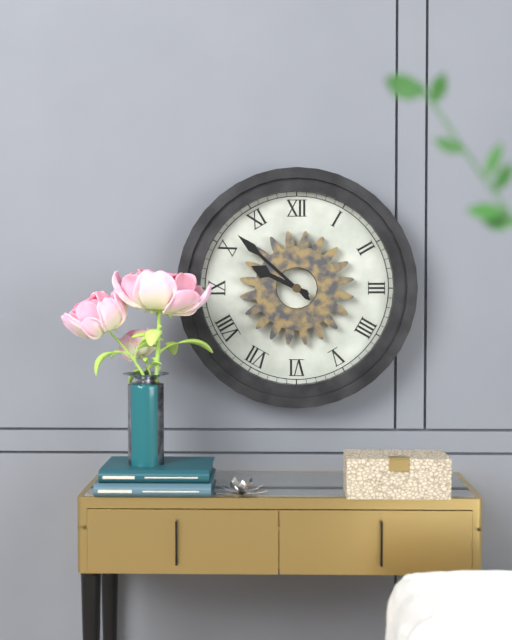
9:52
